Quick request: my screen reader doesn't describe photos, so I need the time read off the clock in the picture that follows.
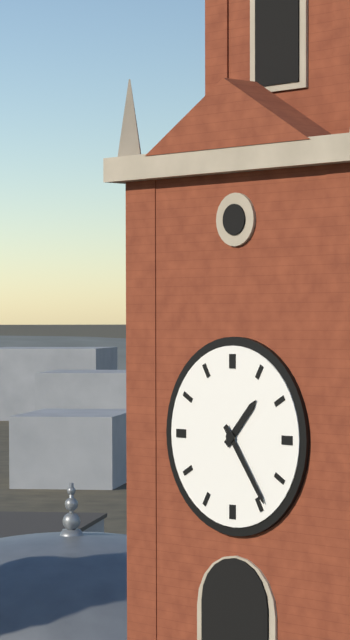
1:24
